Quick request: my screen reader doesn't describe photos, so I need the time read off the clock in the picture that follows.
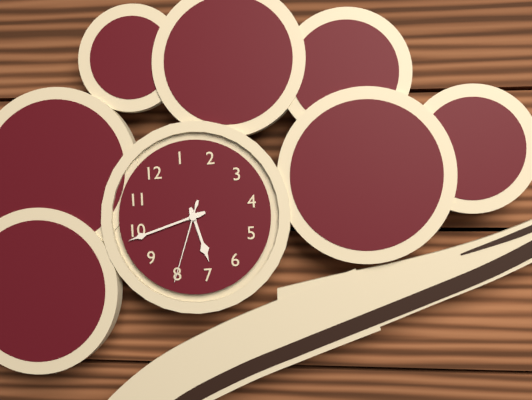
6:49:40
